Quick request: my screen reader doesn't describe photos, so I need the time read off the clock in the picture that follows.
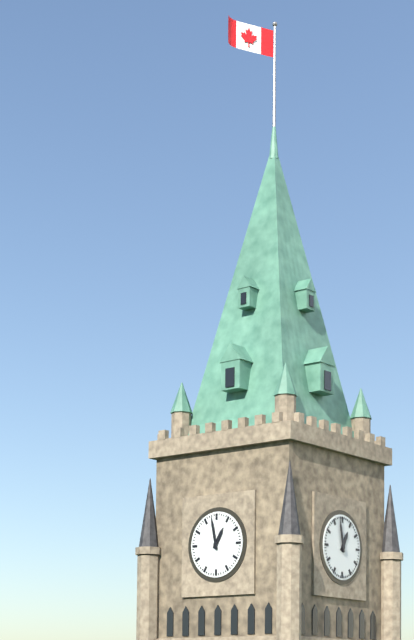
12:58
